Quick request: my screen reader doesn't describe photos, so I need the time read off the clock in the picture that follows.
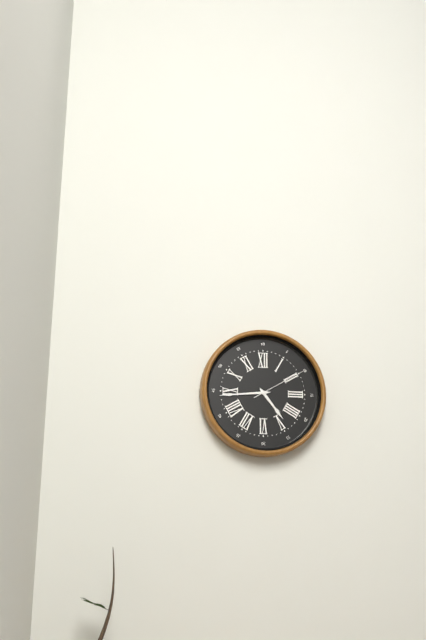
4:44:10
